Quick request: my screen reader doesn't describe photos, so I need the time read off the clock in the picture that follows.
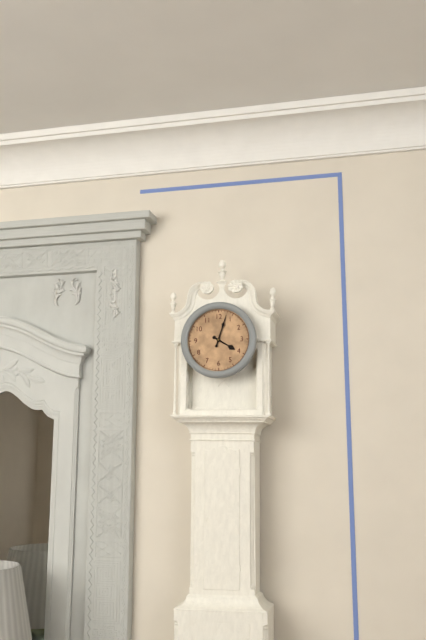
4:03
